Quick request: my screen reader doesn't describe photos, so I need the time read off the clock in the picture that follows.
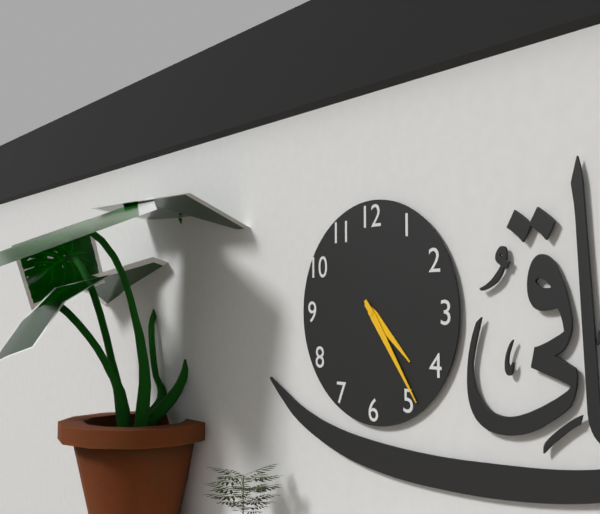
4:24
